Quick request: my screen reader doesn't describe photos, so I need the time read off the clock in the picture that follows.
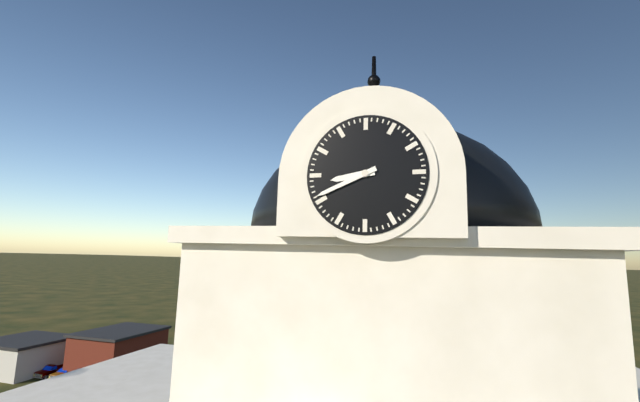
8:41
